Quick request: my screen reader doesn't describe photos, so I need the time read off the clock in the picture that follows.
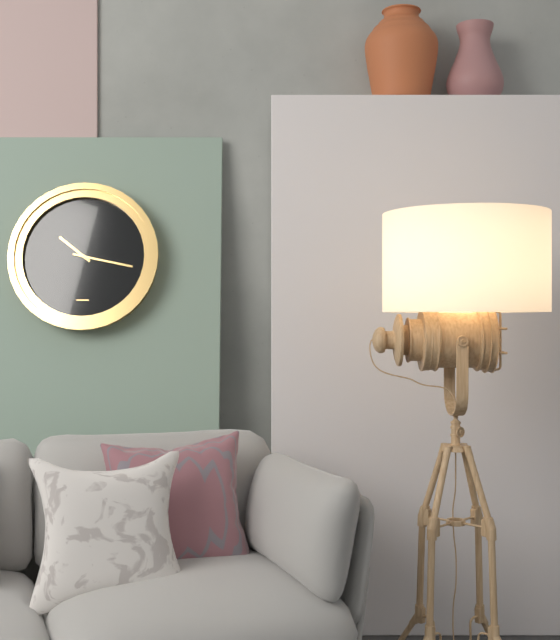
10:17
